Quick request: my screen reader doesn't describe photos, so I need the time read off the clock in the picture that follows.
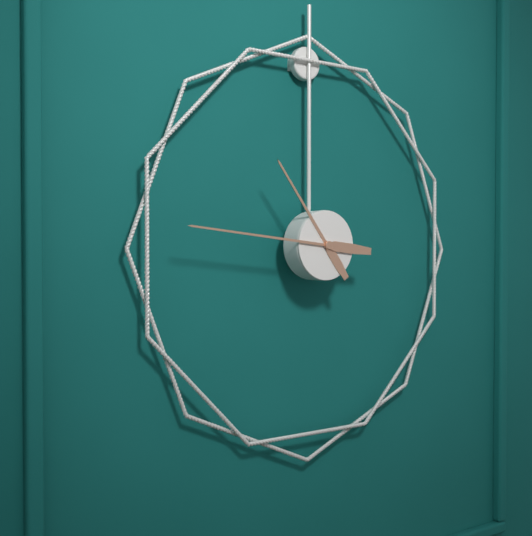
10:46
